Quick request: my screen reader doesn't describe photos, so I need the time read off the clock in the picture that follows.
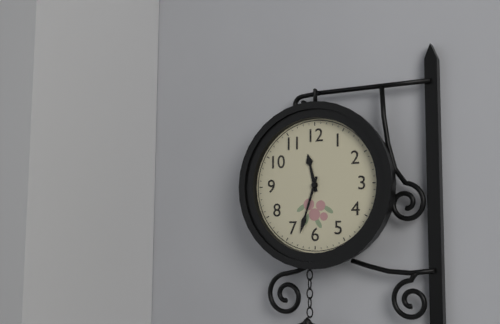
11:33
